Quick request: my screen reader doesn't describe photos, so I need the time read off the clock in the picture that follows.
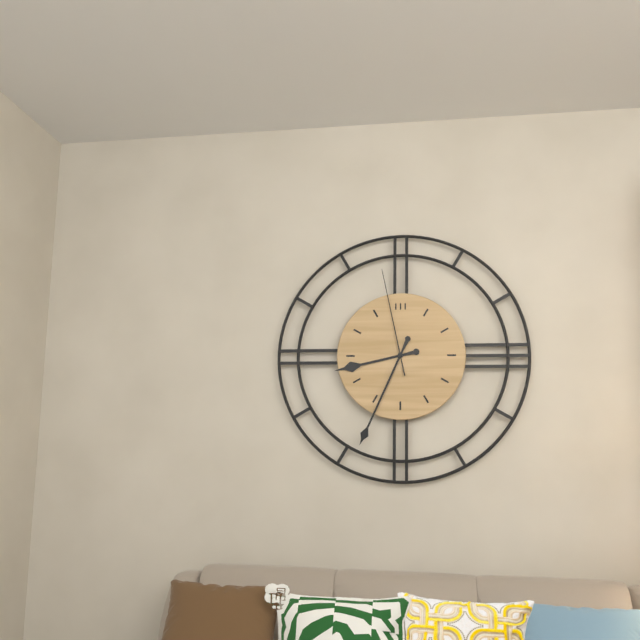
8:34:58
